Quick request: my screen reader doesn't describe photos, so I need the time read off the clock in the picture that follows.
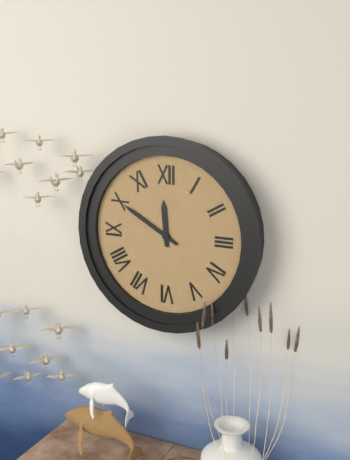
11:50
